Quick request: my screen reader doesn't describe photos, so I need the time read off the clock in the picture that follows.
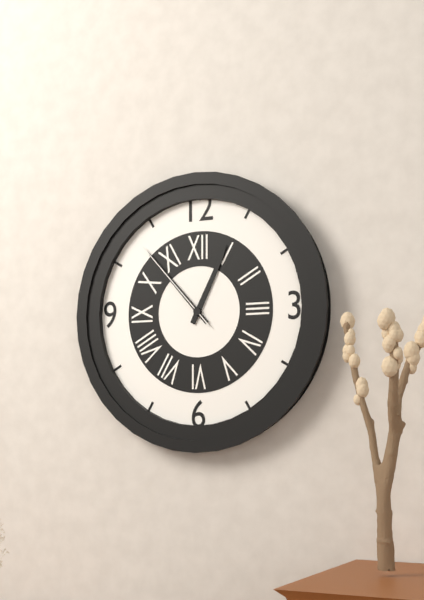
12:53:53
